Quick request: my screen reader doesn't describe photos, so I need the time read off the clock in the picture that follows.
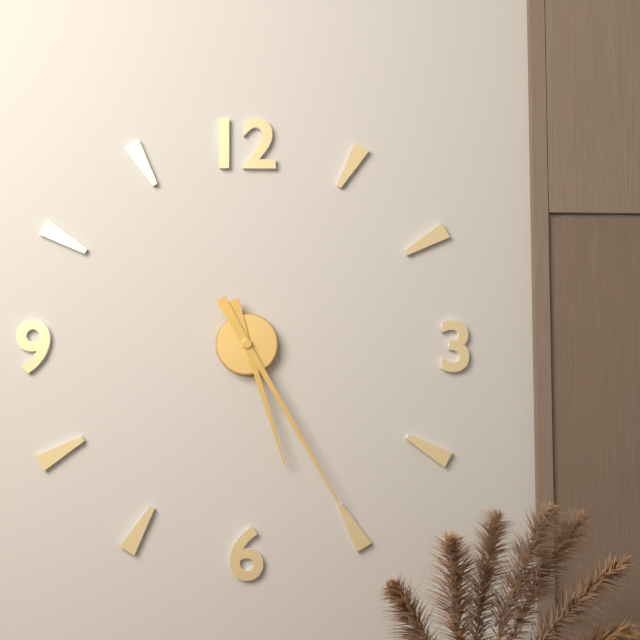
5:25
